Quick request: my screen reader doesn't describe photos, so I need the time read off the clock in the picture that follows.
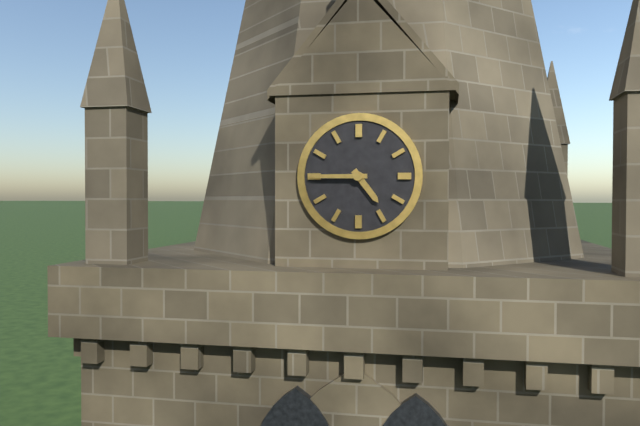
4:45
